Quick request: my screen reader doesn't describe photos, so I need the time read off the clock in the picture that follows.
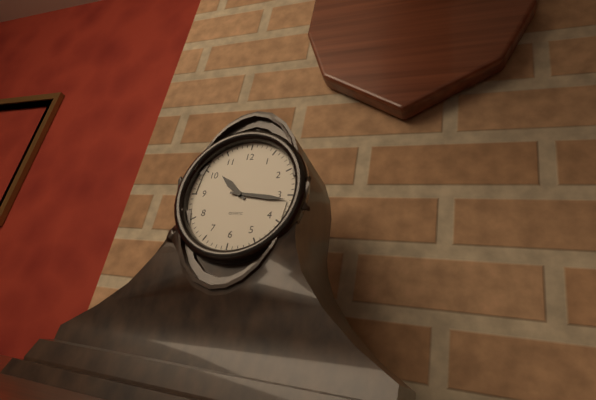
10:16
